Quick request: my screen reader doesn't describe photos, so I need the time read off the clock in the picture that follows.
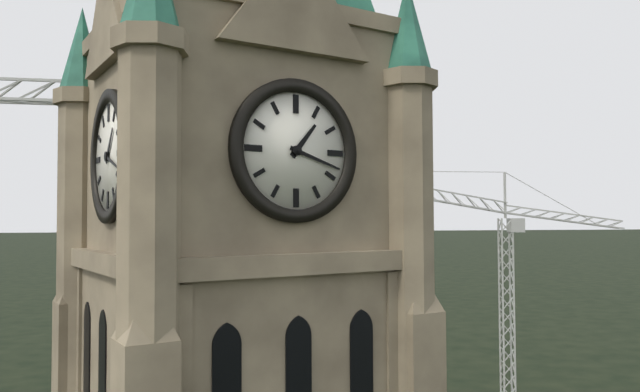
1:18
